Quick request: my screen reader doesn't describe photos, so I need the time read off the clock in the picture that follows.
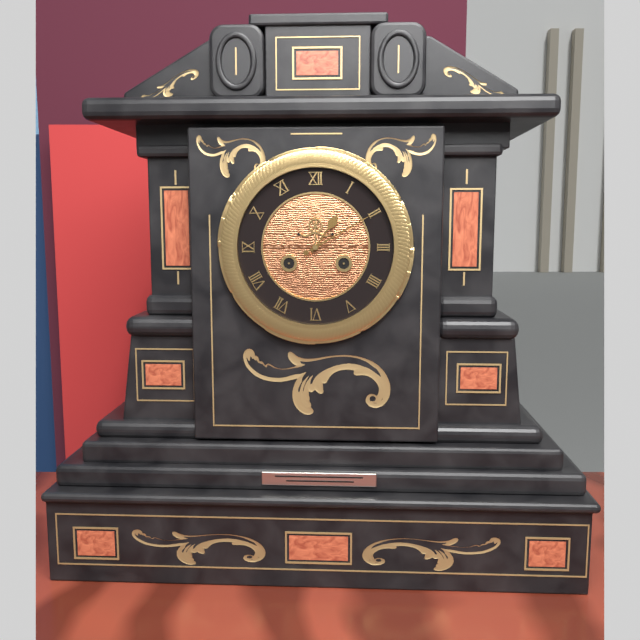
1:10
